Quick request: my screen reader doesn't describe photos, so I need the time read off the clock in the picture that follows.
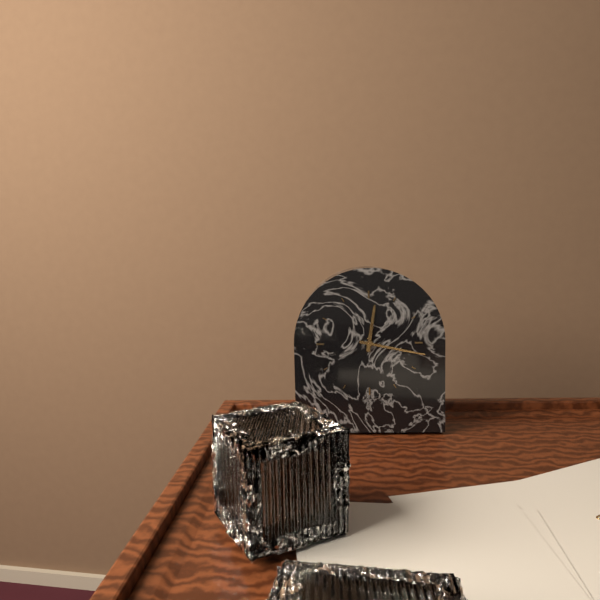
12:17
